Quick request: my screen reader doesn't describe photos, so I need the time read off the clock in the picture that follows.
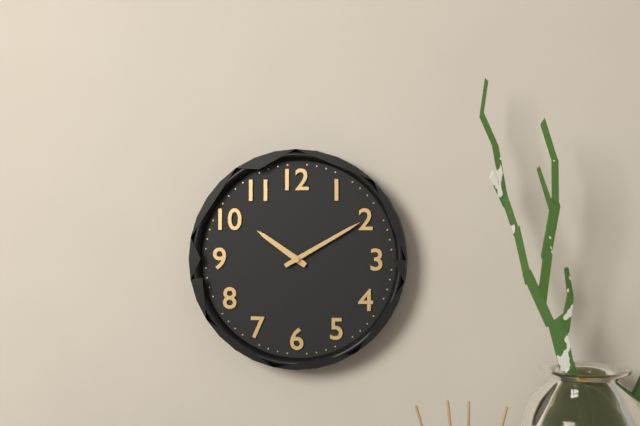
10:10
